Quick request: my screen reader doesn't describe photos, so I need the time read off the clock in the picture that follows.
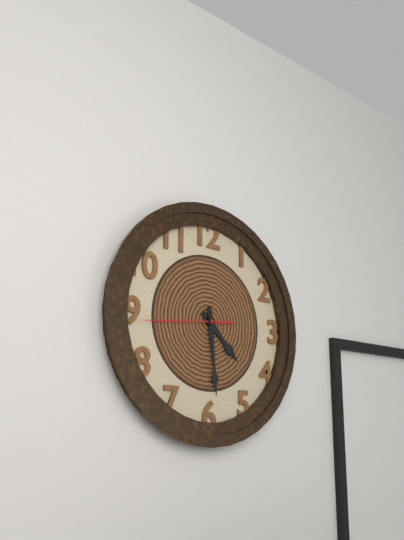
4:29:44
